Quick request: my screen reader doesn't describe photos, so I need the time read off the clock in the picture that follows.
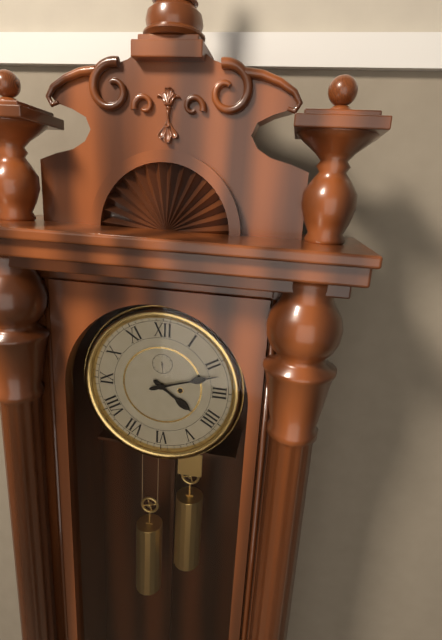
4:12
